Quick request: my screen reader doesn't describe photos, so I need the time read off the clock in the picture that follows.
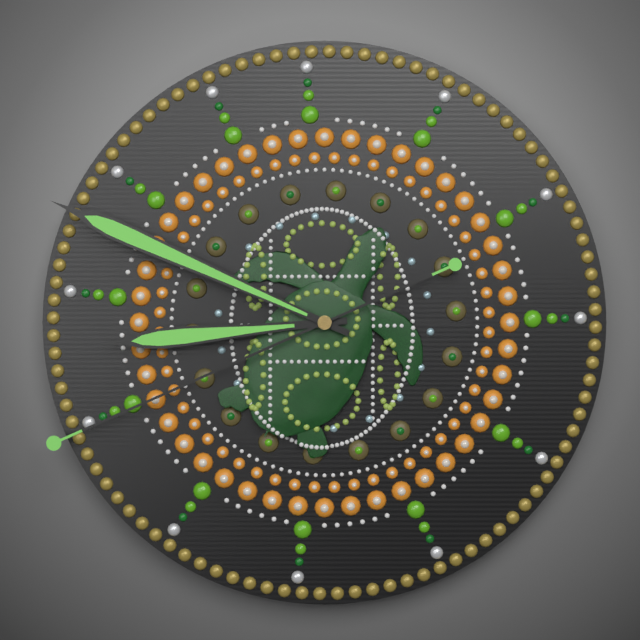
8:49:41
